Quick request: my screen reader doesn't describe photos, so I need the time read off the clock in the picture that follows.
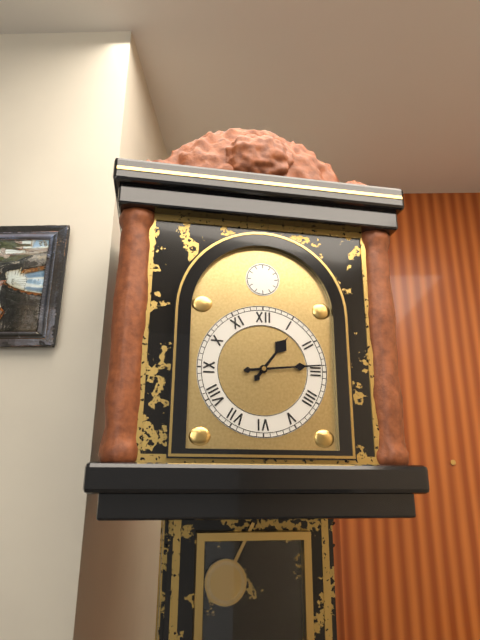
1:14
